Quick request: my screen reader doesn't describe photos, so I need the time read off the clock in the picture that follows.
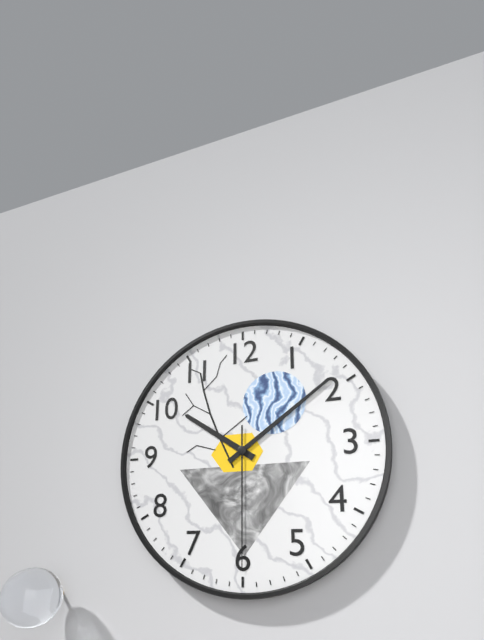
10:09:30
